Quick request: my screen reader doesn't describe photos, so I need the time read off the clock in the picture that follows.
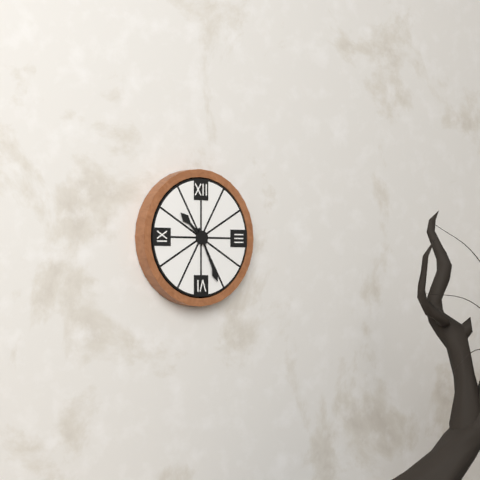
10:26
